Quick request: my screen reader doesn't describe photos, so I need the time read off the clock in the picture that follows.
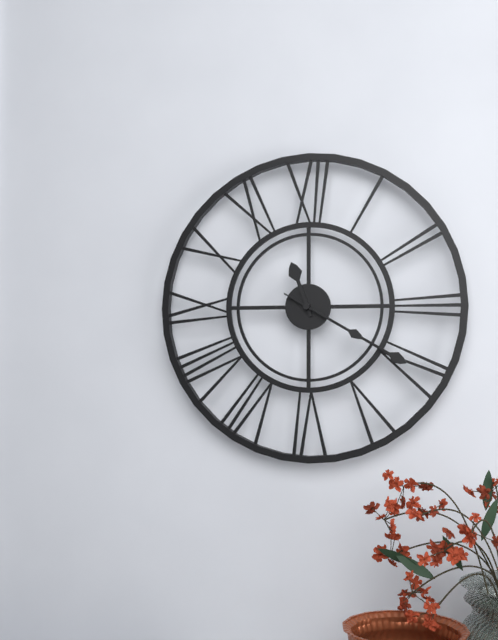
11:20:20
